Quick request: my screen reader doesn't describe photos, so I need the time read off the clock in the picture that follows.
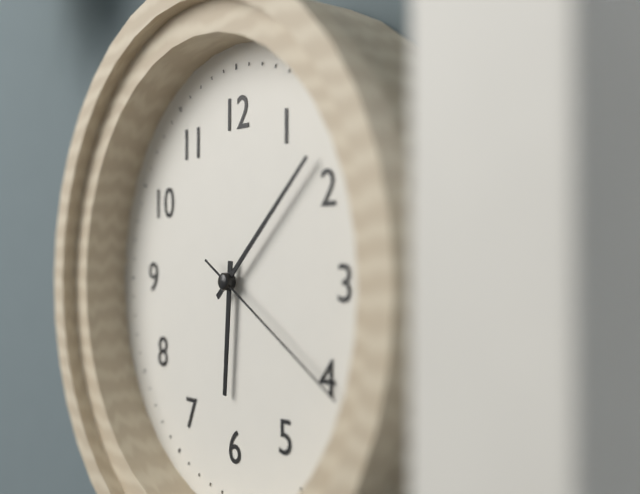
6:08:20
